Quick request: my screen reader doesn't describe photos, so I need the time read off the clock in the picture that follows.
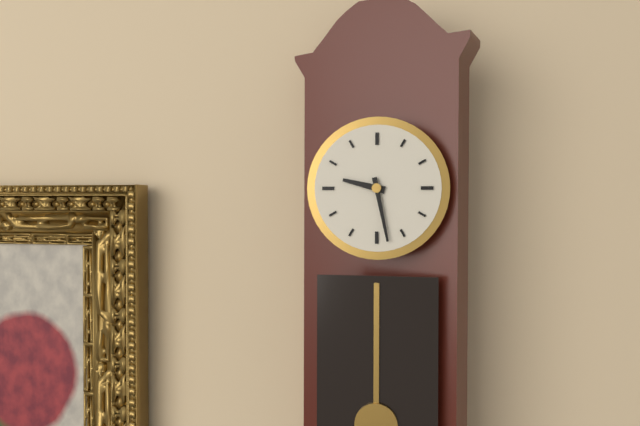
9:28
